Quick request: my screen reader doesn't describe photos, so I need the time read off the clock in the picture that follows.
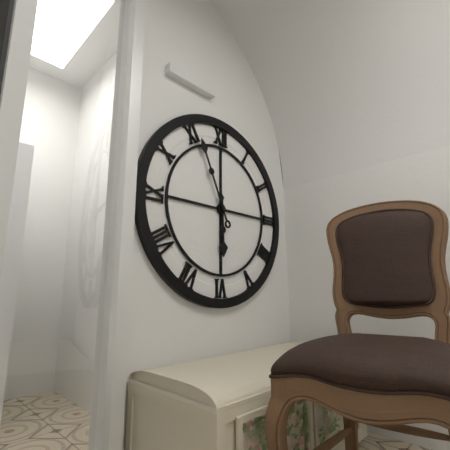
5:56
